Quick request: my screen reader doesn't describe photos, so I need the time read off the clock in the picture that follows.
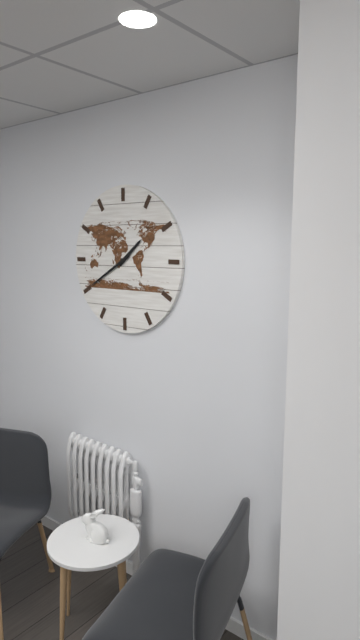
1:40
